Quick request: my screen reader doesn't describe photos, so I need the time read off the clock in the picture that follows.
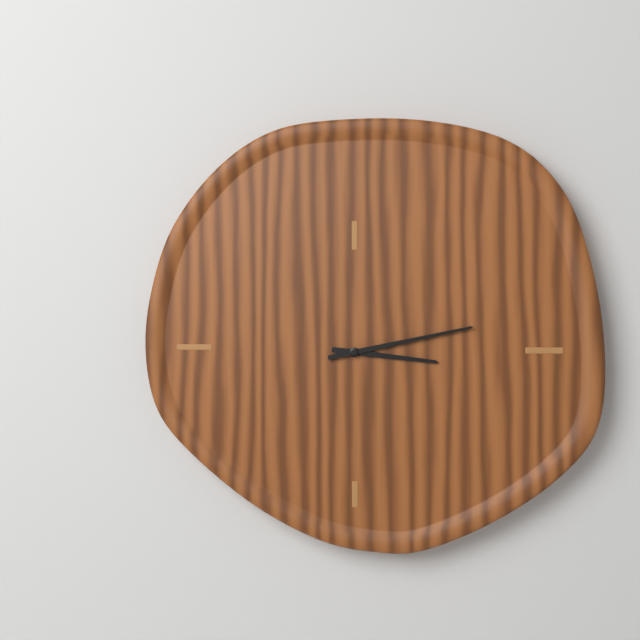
3:13
